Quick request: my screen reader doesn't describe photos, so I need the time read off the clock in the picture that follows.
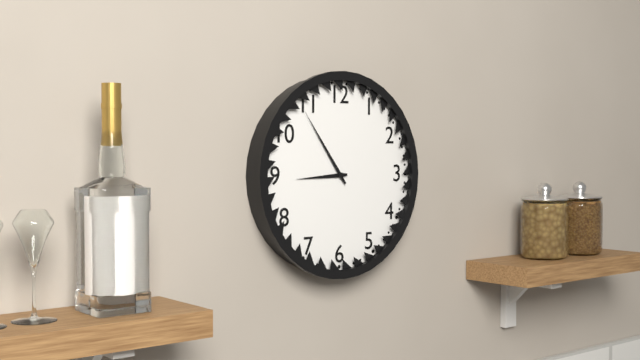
8:54
